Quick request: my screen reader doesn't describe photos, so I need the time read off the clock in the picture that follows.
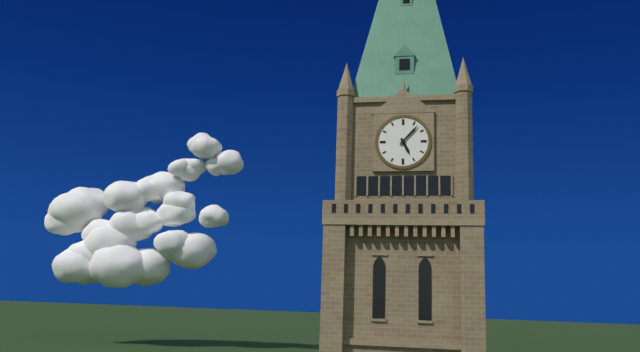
5:07
